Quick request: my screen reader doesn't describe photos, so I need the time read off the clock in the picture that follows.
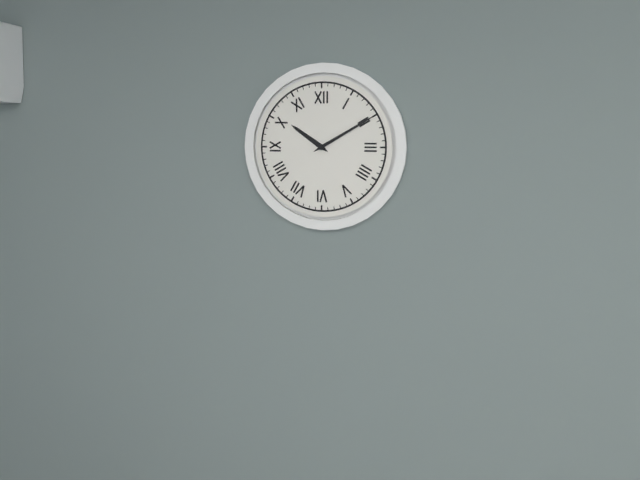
10:10
